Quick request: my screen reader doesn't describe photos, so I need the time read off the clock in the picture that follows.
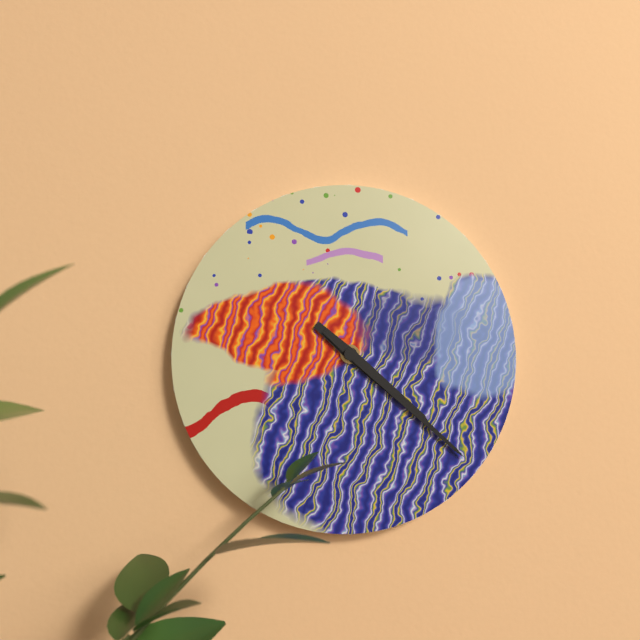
4:22
